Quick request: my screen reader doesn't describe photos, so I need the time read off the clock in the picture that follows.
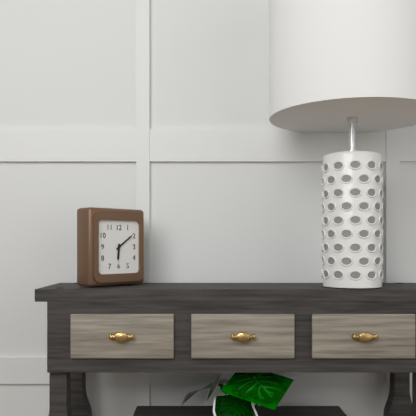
6:09
